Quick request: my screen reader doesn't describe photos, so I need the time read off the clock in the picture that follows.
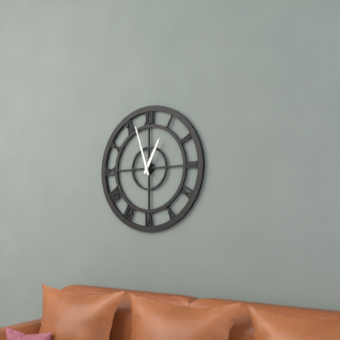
12:57
